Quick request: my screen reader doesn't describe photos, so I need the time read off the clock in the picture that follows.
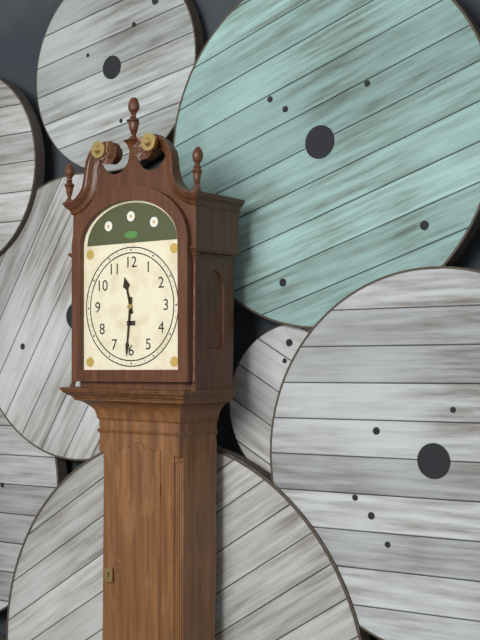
11:31
